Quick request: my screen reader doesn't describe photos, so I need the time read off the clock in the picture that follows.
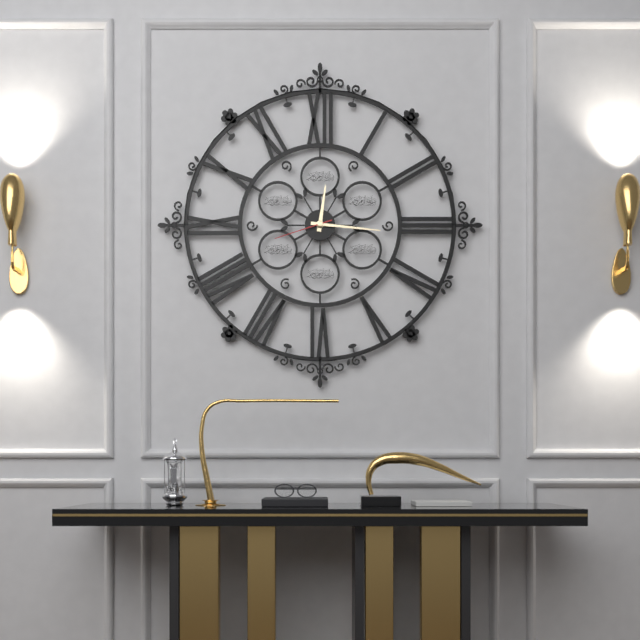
12:16:42
